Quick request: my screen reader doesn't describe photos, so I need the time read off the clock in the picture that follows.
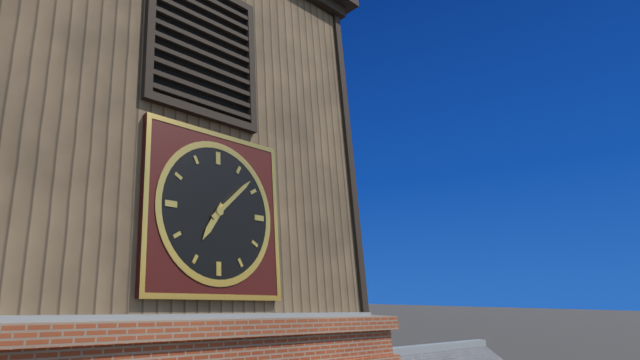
7:08
